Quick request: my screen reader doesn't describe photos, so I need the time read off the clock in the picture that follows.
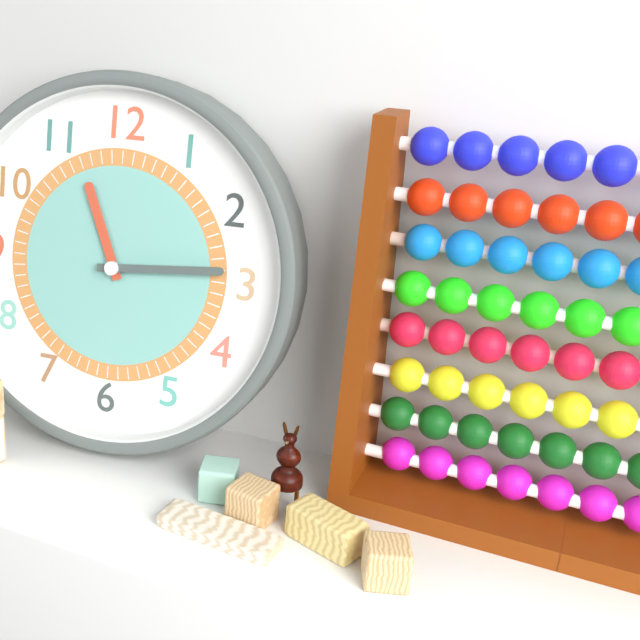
11:14
